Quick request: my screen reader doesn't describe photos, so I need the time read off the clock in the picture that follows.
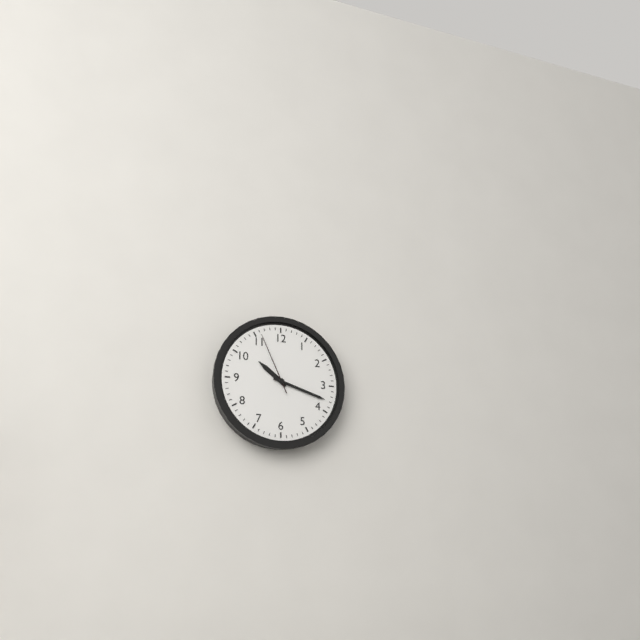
10:18:56
